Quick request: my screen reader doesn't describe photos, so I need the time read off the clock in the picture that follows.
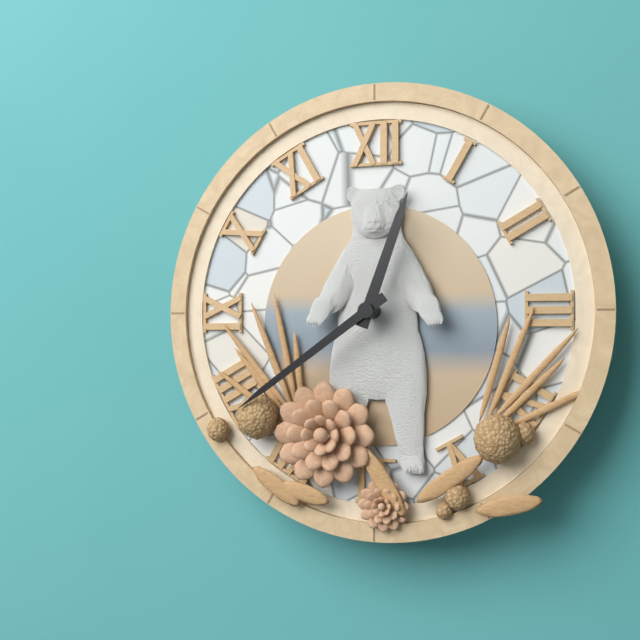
12:39
